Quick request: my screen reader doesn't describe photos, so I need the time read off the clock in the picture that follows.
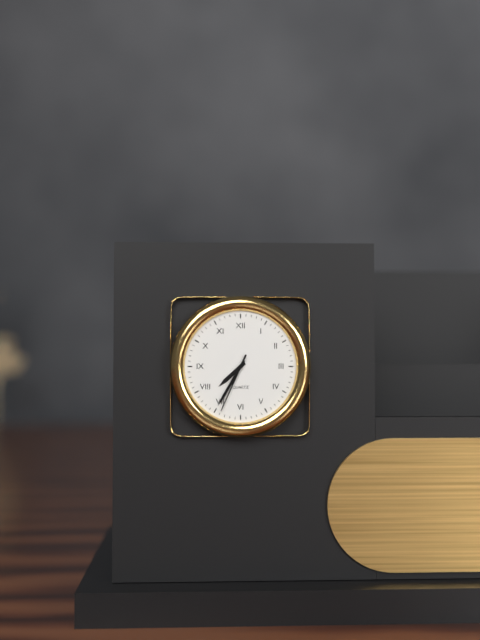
7:35:34
